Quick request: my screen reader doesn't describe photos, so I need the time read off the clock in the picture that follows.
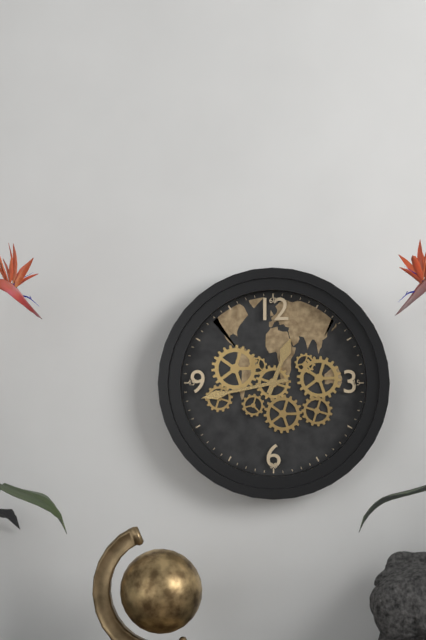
12:43
